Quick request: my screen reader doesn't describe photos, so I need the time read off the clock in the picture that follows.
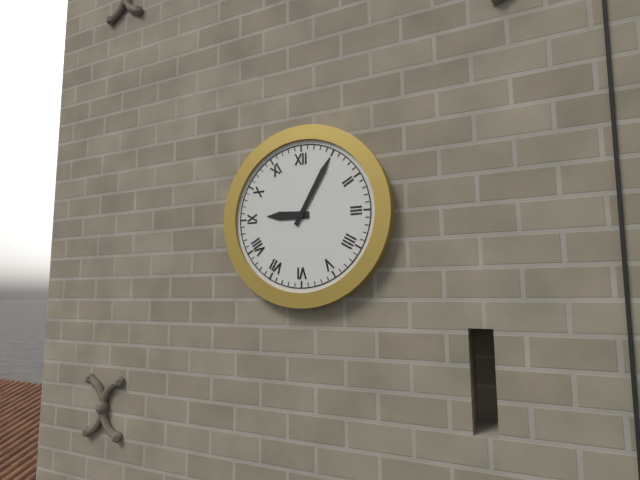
9:05
